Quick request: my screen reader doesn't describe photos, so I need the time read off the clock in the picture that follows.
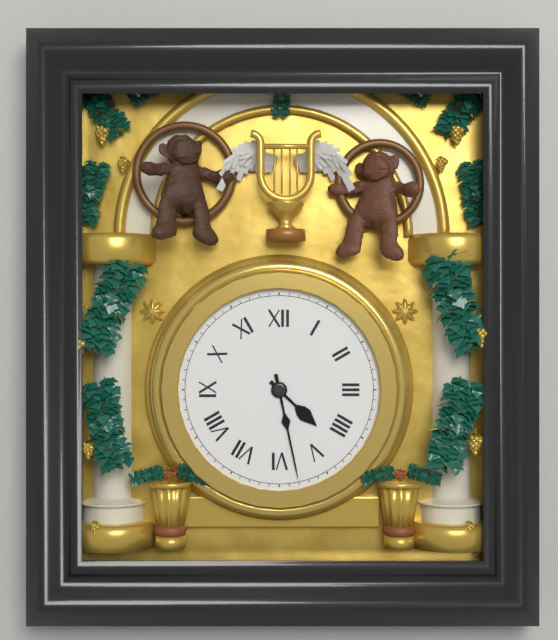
4:28
